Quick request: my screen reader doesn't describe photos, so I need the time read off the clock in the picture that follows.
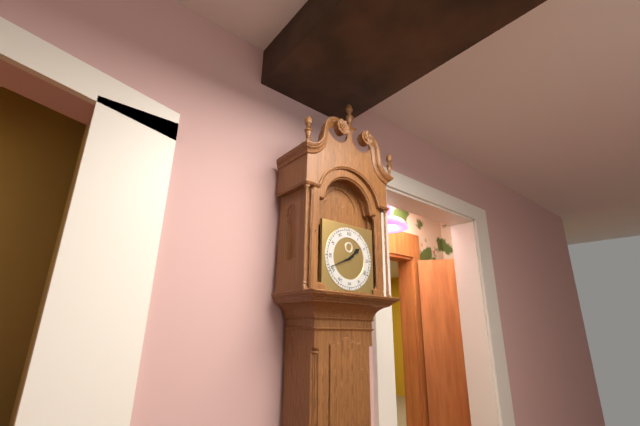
1:41
